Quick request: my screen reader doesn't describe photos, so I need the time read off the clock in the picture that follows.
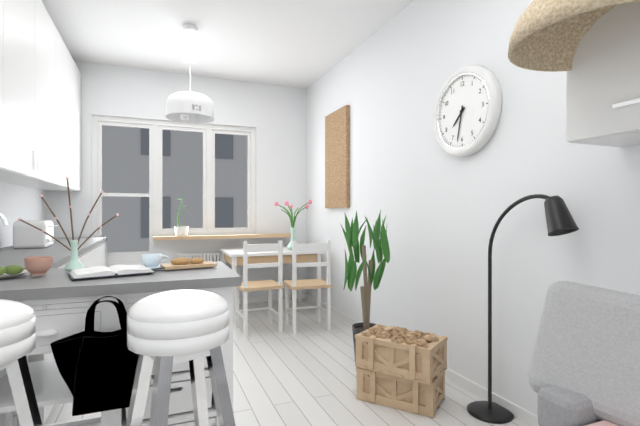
7:32
